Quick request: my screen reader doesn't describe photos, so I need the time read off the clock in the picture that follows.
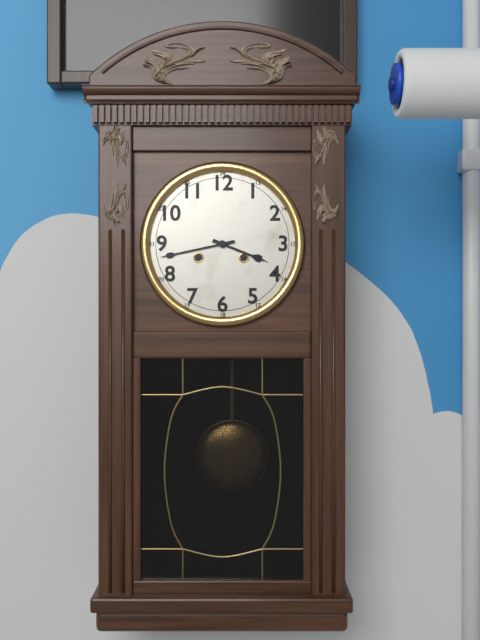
3:43
